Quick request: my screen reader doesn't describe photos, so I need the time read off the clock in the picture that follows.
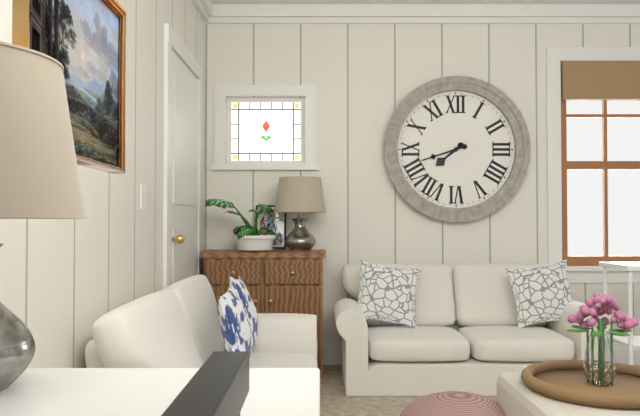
7:42
